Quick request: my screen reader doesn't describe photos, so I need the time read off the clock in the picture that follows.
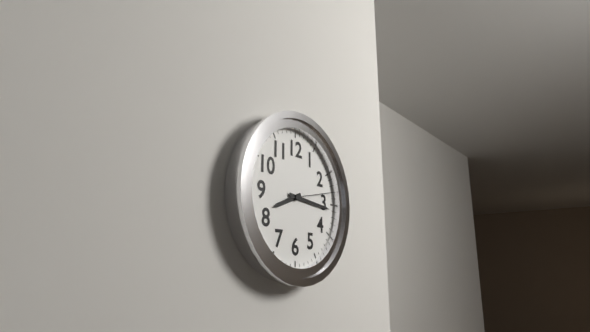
8:16
